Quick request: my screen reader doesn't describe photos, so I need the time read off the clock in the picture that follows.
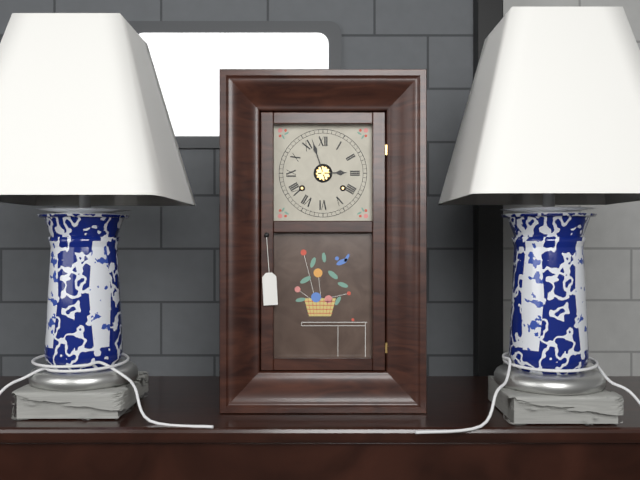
2:57
